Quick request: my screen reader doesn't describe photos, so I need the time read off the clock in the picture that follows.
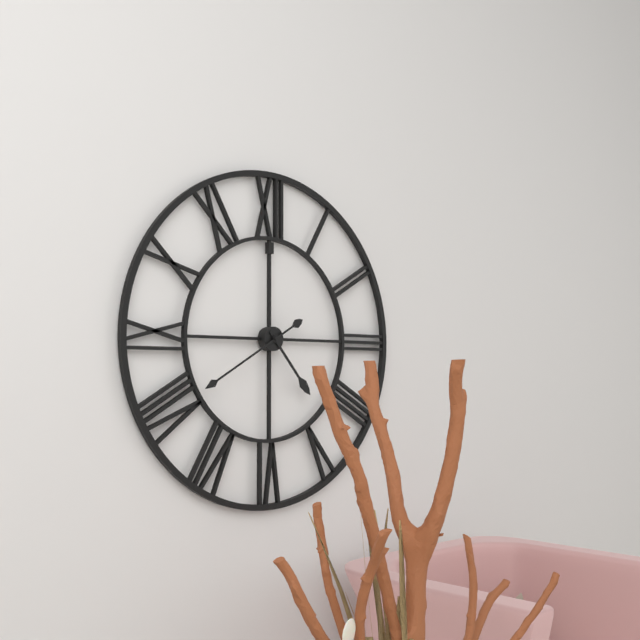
4:40
